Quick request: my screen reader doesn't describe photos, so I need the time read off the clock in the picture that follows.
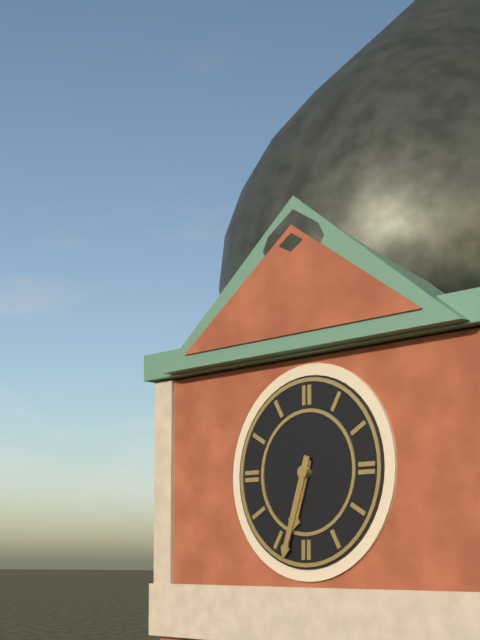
6:33
